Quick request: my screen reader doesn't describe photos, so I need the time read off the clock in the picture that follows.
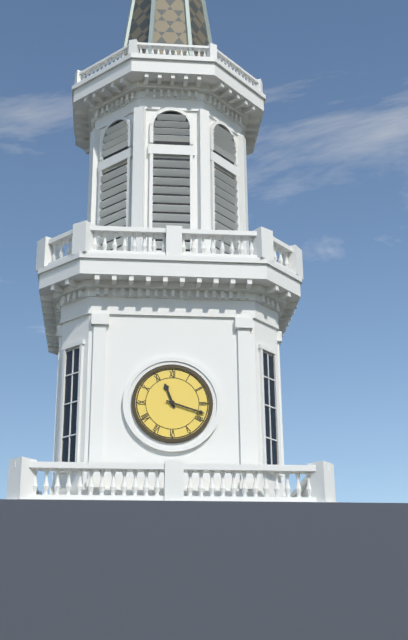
11:18
